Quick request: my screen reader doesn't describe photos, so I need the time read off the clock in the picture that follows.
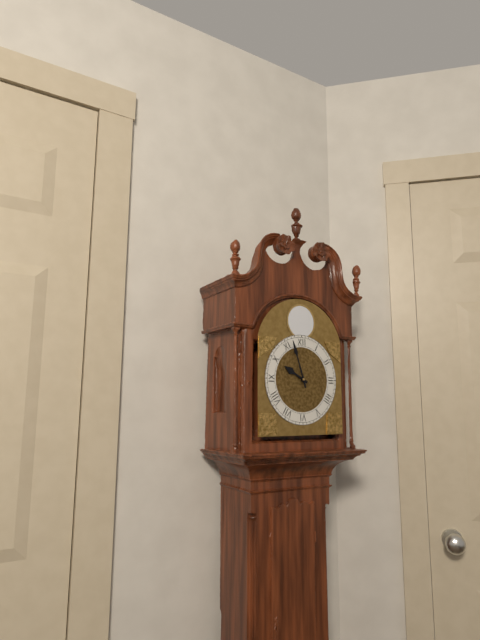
9:57
